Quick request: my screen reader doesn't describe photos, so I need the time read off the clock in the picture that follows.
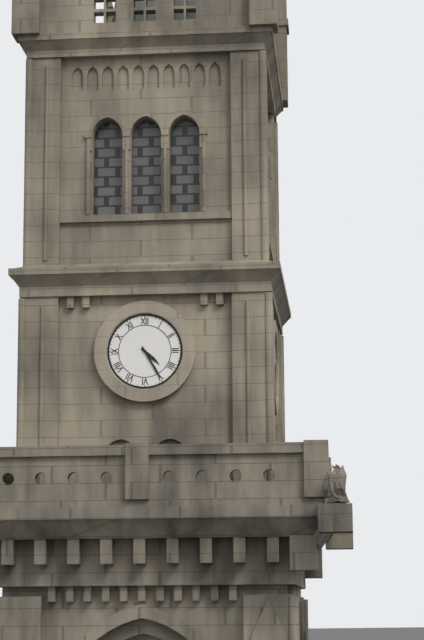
4:25
